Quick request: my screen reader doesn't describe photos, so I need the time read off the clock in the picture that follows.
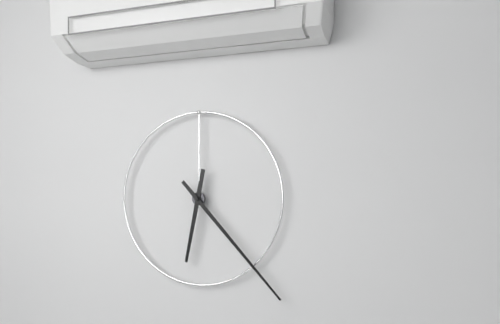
6:23
